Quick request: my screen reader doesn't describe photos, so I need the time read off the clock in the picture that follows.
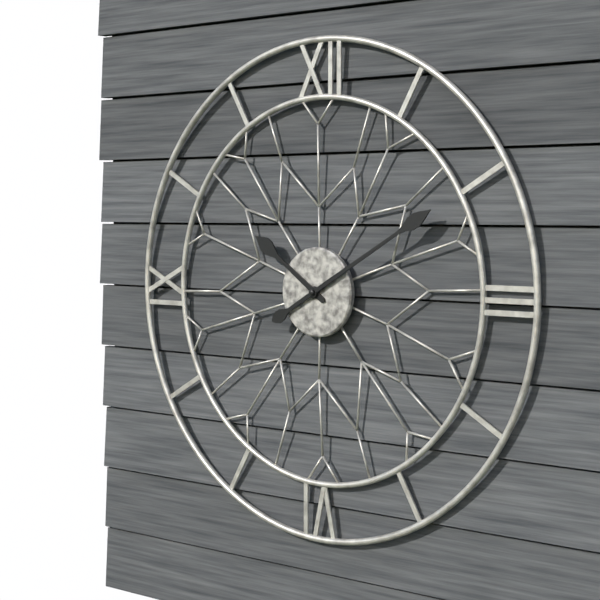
10:10
